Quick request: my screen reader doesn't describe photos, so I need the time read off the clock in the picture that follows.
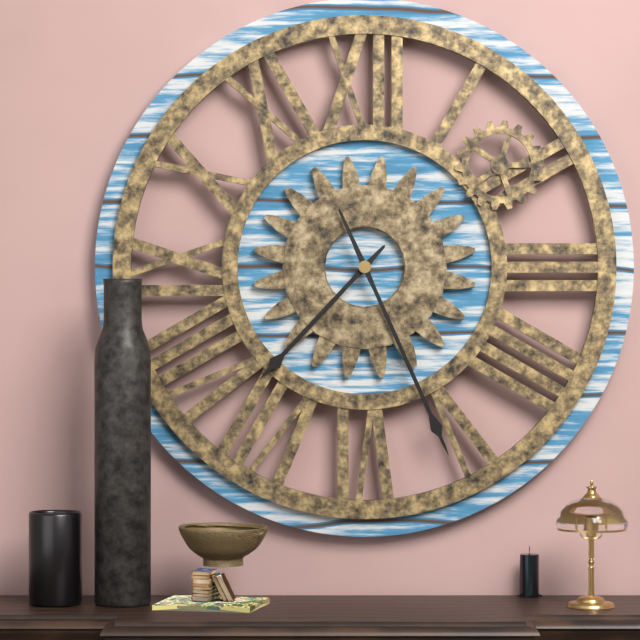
7:26
